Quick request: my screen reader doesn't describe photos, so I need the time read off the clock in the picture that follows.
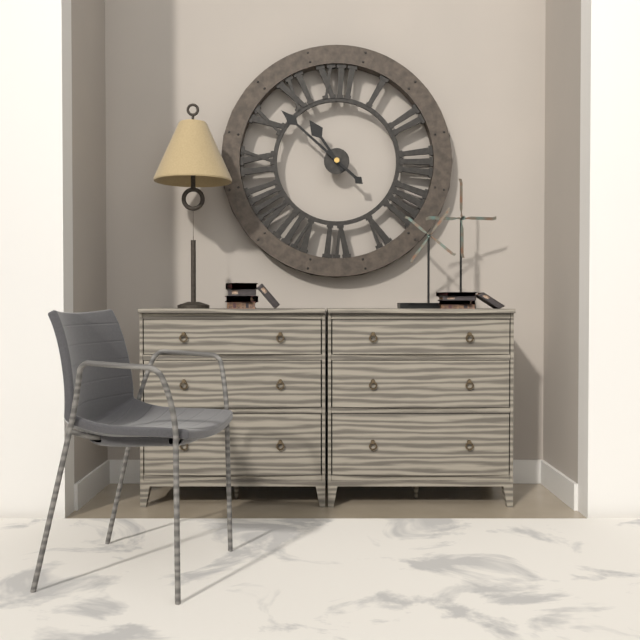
10:52
